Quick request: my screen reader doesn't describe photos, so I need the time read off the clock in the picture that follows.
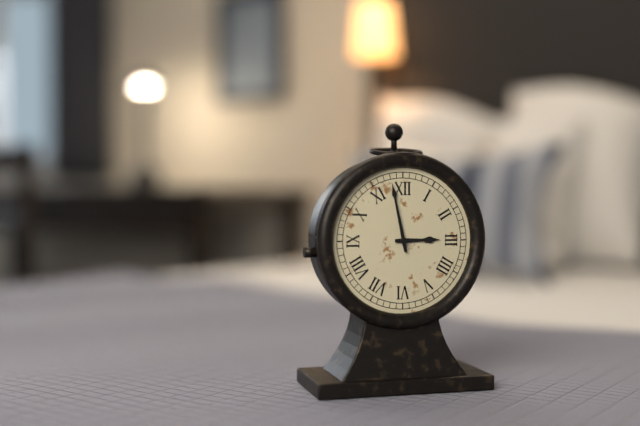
2:58
